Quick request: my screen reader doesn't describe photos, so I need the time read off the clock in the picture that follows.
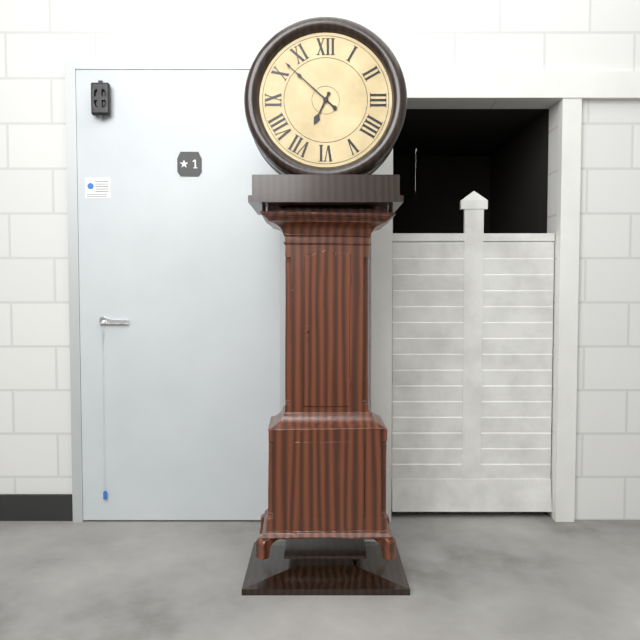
6:52
